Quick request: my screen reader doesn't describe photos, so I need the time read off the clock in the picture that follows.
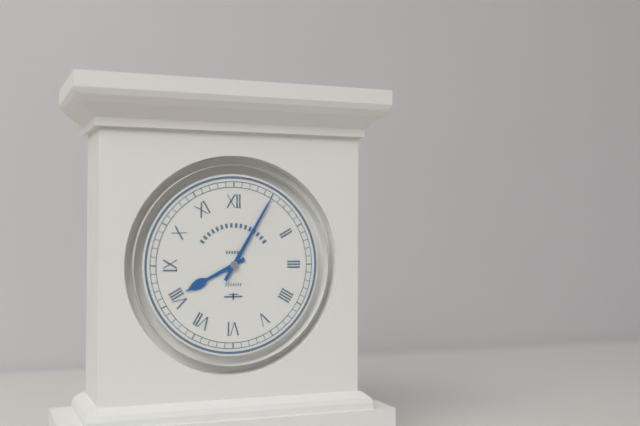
8:05
